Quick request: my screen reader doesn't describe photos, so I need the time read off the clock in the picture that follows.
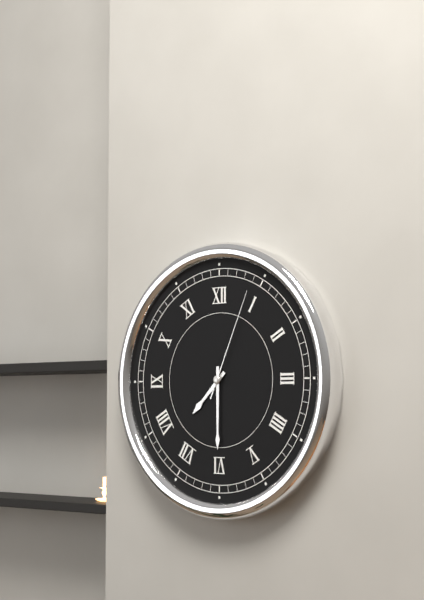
7:30:04
